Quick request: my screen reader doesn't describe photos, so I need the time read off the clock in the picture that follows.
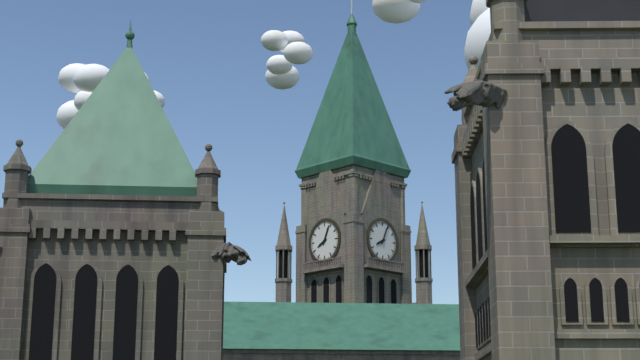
8:04
